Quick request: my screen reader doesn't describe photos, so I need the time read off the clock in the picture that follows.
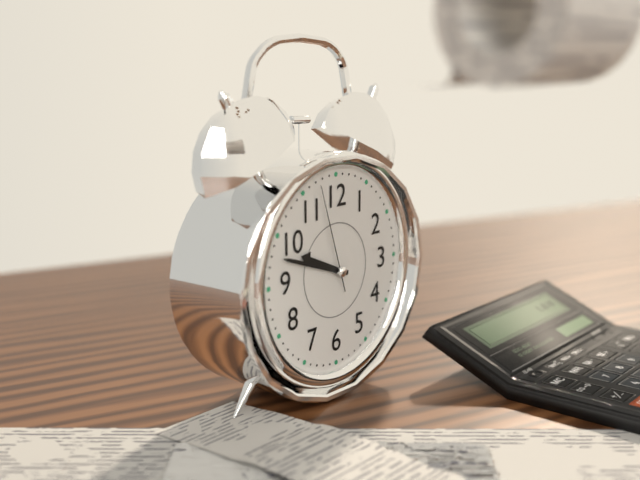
9:48:57
